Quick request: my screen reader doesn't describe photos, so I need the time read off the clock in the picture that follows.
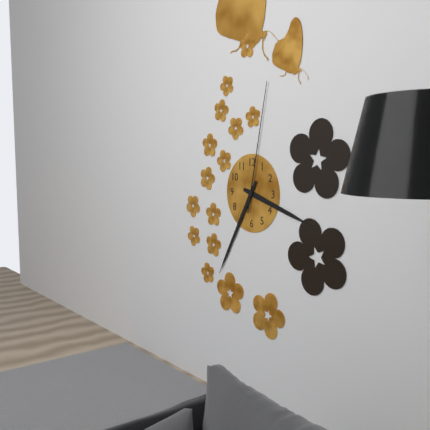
3:35:02
